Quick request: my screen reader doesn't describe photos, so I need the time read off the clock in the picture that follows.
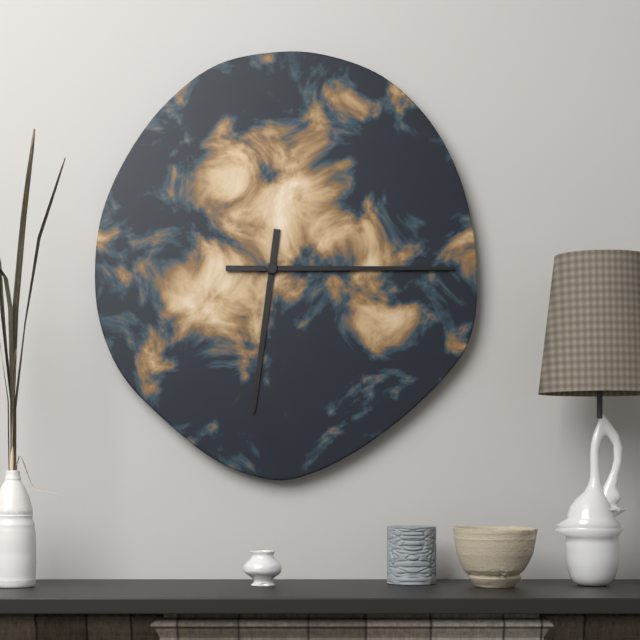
6:15
